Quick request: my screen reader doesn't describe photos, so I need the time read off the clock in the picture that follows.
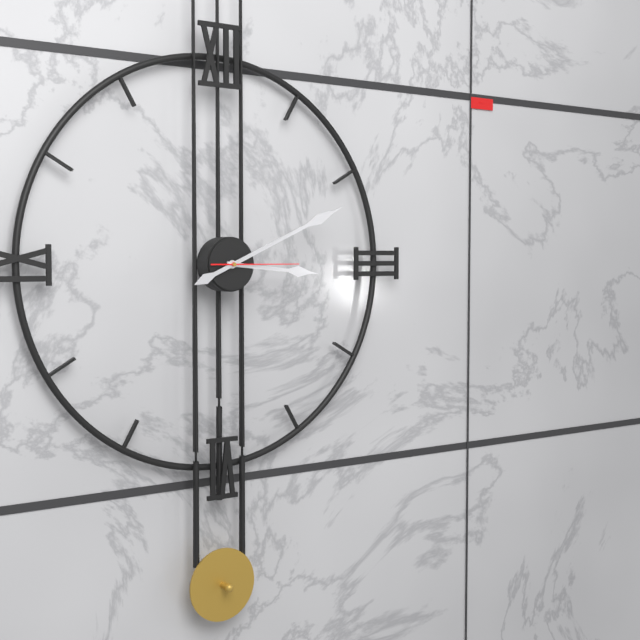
3:11:15
